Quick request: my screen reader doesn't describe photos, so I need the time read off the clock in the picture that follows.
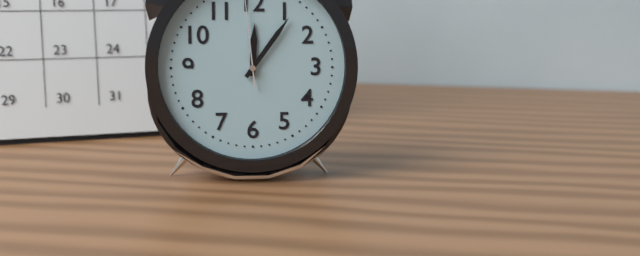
12:06
